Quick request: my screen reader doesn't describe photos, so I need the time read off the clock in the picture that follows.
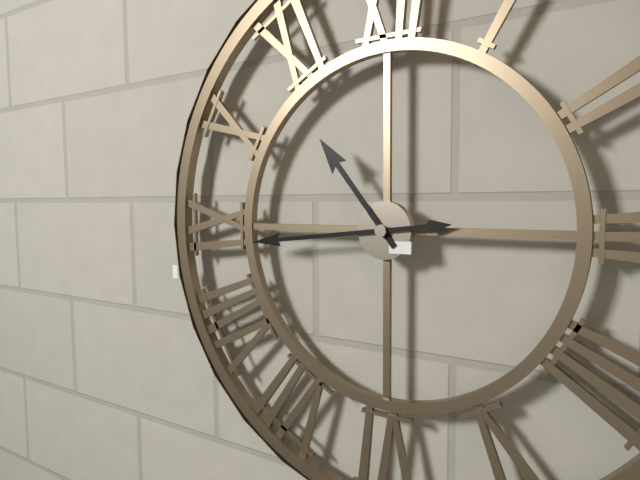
10:44
